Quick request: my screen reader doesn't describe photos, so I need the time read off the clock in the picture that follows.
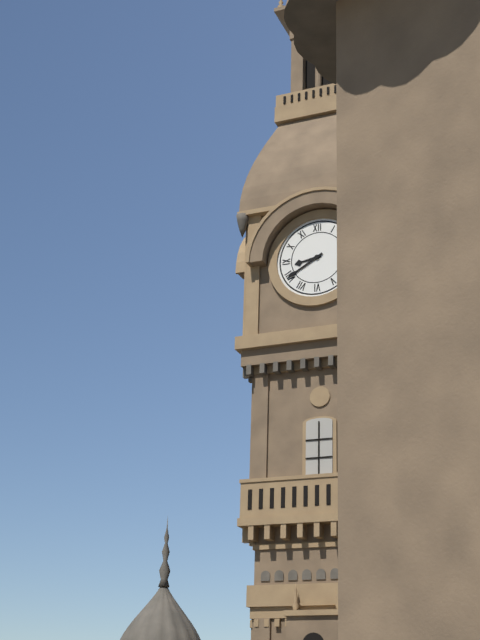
8:40
